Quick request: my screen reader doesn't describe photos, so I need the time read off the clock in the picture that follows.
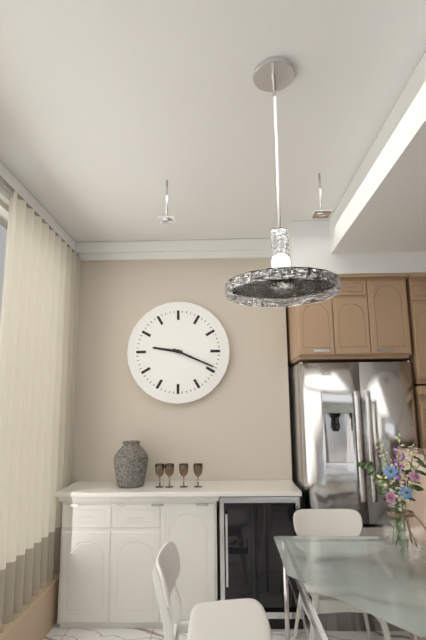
9:19
